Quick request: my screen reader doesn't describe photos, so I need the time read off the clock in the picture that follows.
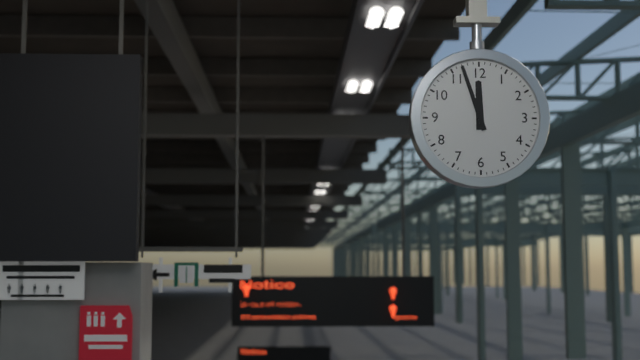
11:57
